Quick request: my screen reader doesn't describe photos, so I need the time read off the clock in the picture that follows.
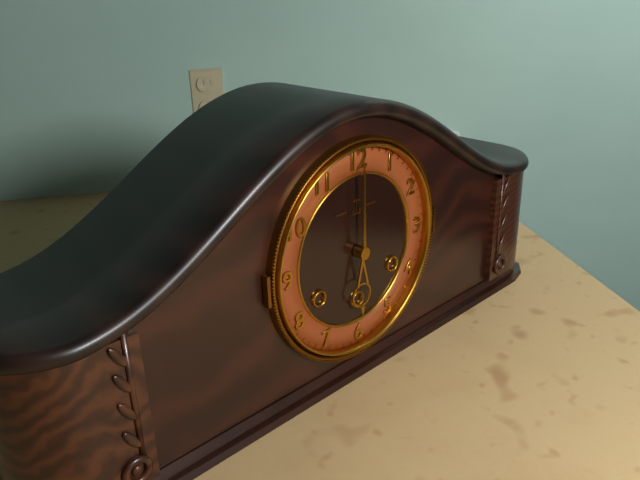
6:00
